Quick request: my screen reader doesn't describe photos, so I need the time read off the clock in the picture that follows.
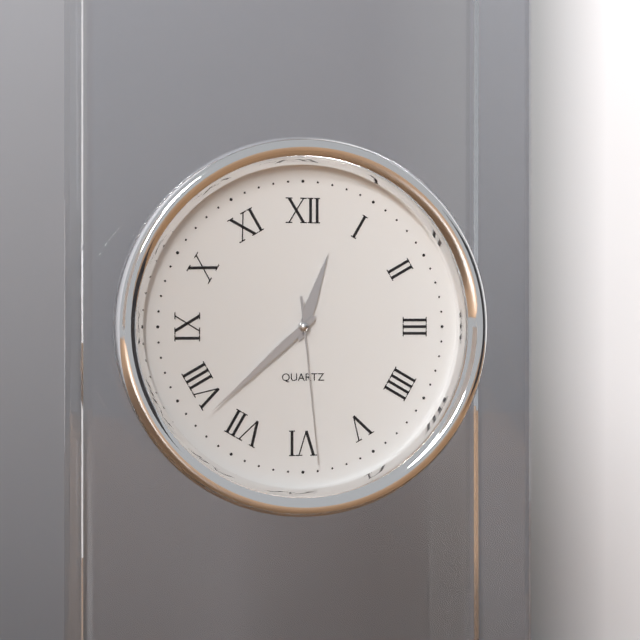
12:38:29
